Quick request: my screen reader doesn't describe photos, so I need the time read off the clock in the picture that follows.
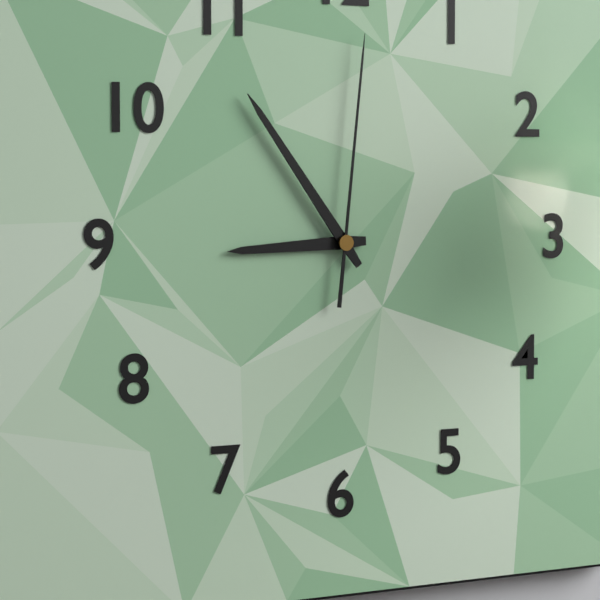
8:54:01
